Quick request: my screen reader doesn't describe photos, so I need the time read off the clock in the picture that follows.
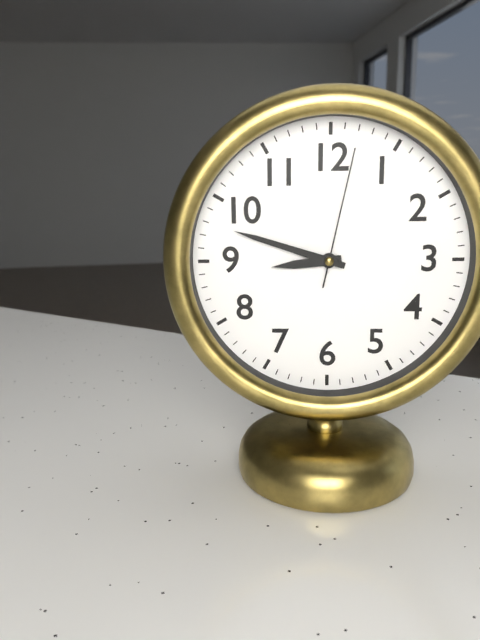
8:48:02
